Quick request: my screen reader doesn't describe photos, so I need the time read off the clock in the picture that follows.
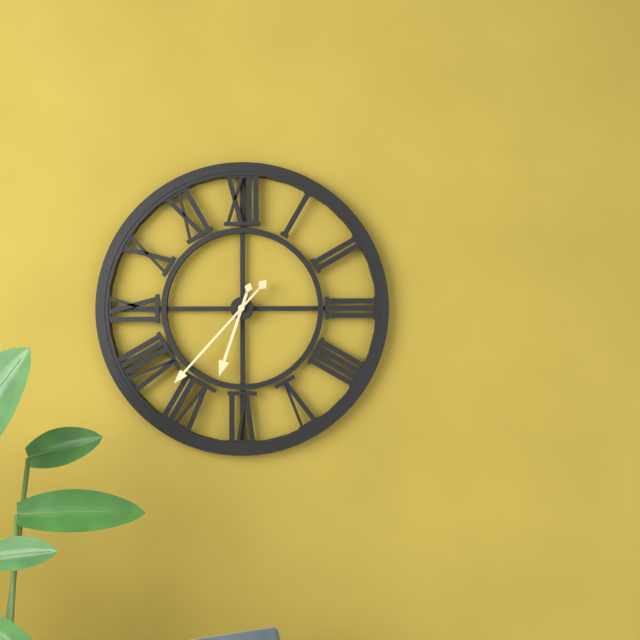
6:37
